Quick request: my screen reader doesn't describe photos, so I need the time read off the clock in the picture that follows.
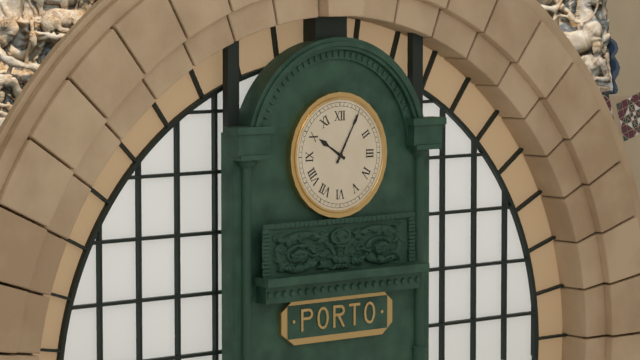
10:05
